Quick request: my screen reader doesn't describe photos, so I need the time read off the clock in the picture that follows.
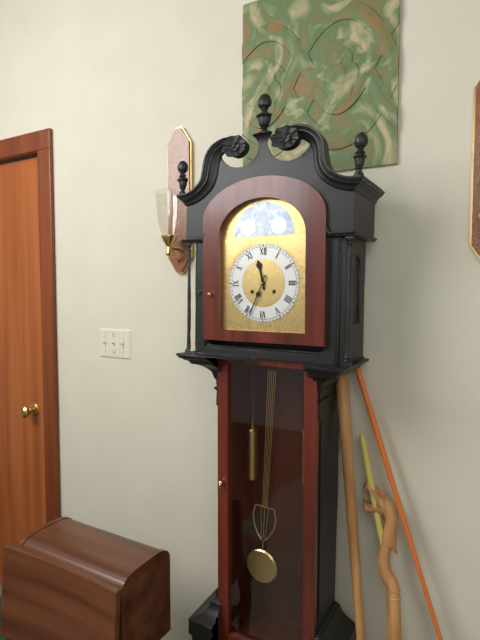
11:34
